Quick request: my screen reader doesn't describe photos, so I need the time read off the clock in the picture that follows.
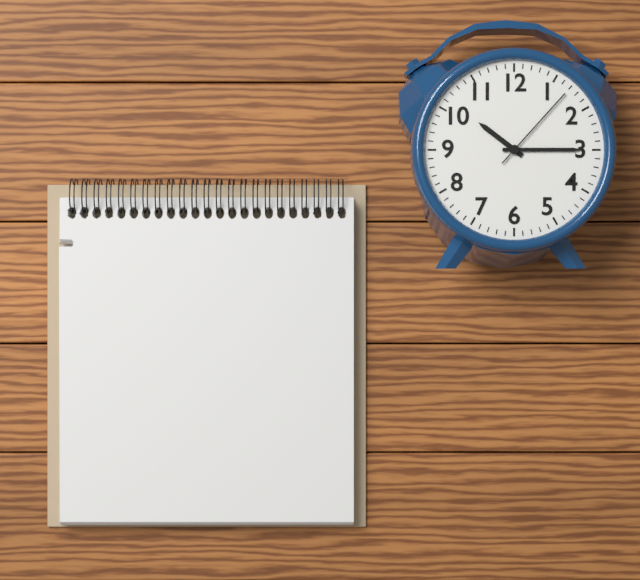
10:15:07
